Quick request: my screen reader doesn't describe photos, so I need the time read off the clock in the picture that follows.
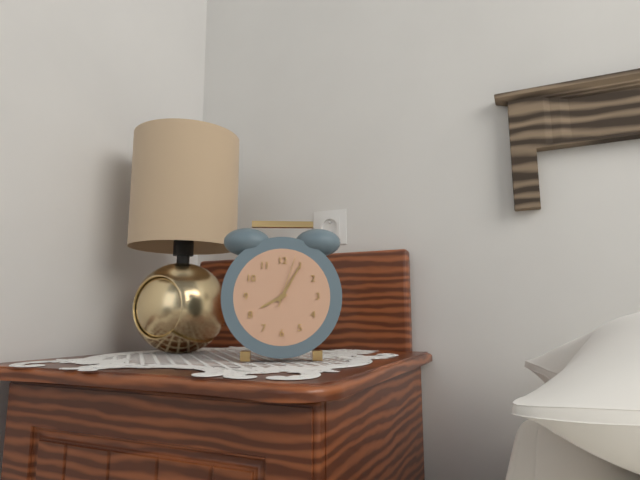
8:05:03
